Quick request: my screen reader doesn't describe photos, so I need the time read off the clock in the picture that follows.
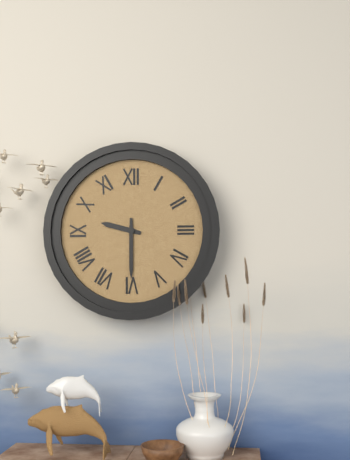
9:30
